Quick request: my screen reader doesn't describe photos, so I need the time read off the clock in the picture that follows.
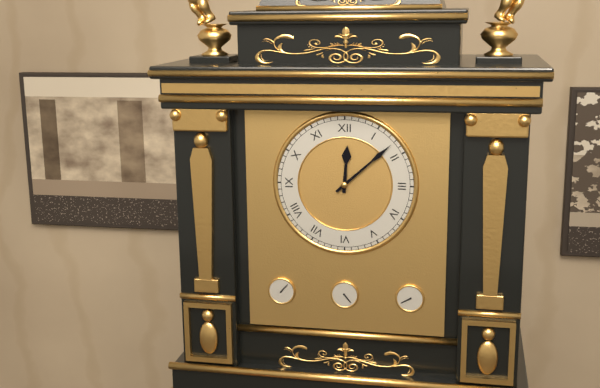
12:08
